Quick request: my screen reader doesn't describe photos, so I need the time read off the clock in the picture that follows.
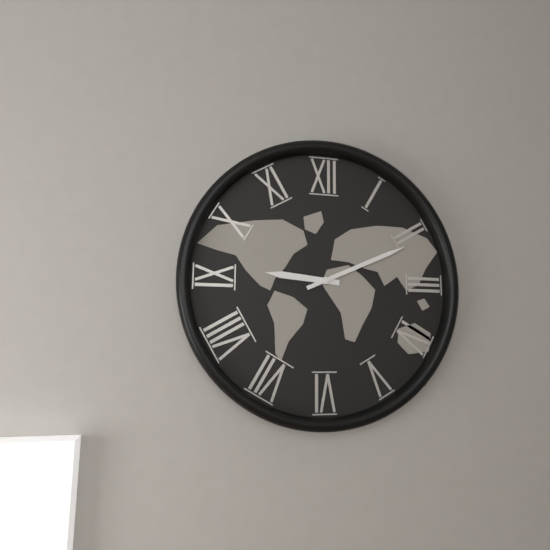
9:11
